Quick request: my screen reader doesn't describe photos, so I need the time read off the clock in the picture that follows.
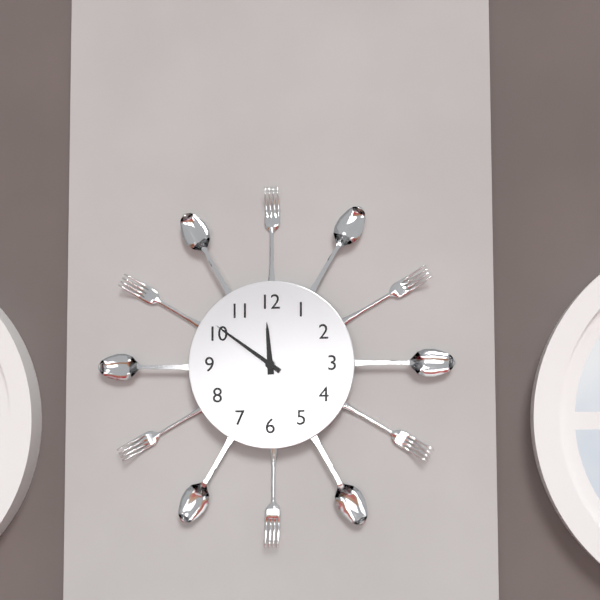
11:51
